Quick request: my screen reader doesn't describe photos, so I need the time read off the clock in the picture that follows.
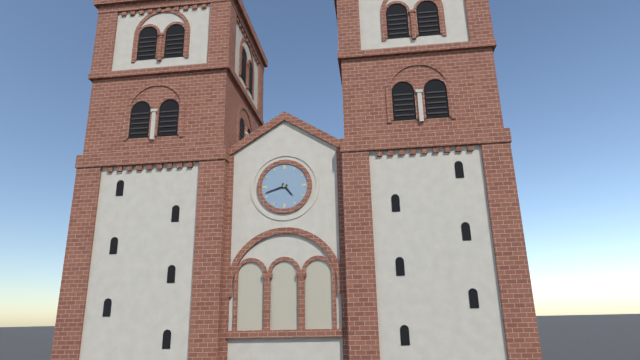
4:42
